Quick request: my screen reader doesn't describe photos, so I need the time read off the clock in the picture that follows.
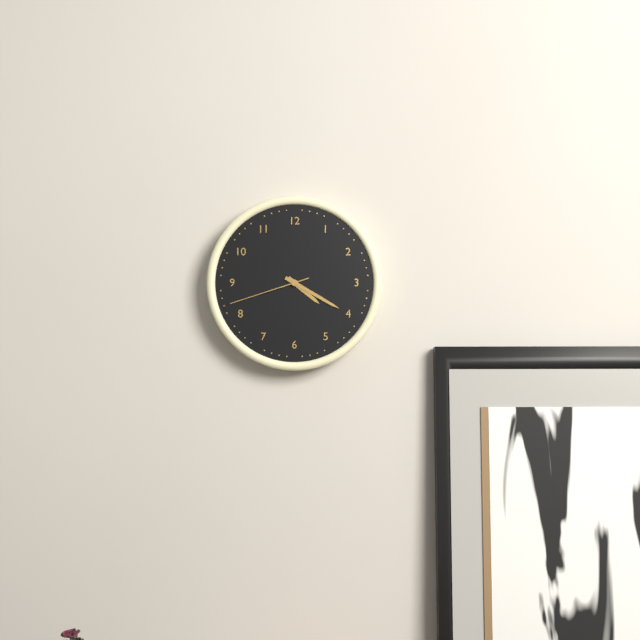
4:20:42
